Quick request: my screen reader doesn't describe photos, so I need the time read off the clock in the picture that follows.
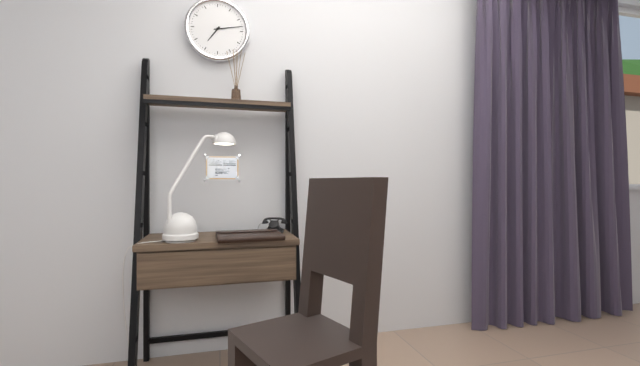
7:13
